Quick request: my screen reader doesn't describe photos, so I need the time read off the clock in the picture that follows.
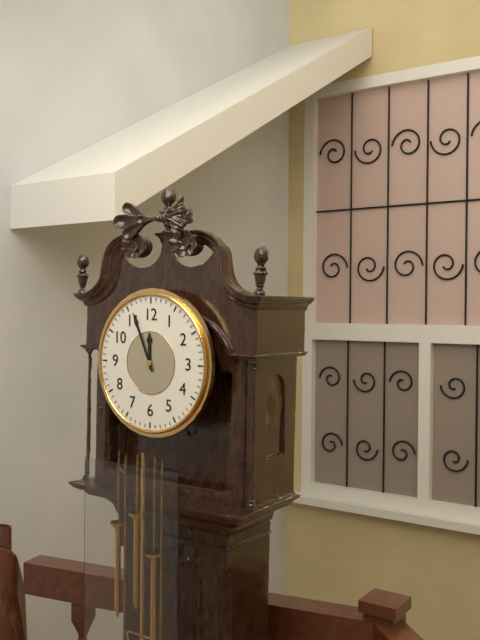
11:56
